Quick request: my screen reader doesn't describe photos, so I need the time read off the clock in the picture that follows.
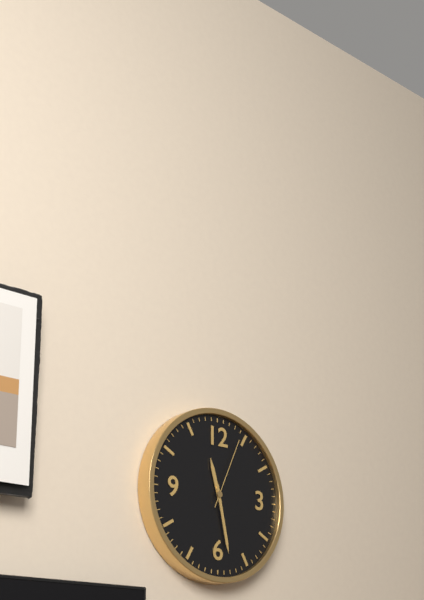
11:28:04
